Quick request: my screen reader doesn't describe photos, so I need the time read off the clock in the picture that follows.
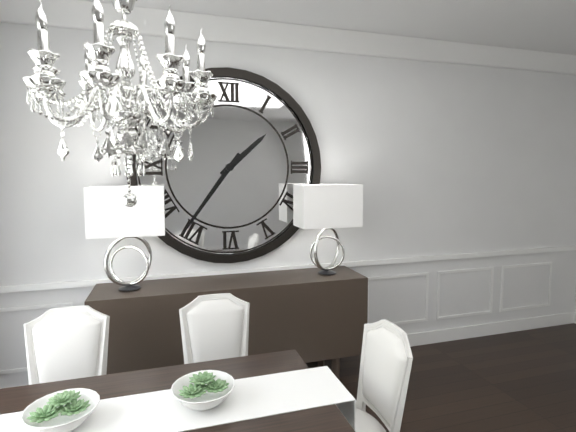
1:36
